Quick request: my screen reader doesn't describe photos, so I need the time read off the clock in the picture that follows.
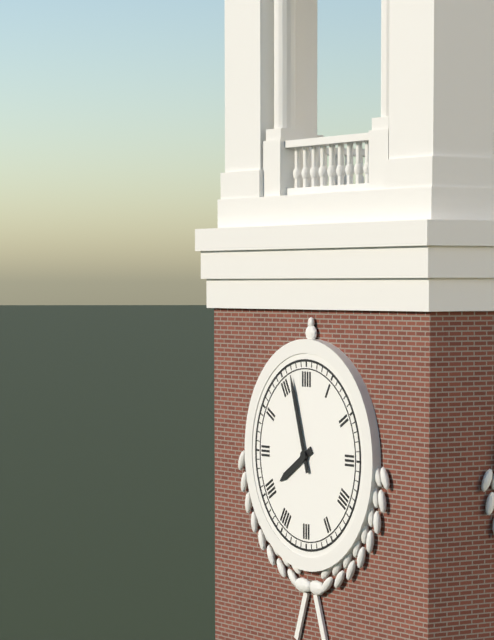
7:57
